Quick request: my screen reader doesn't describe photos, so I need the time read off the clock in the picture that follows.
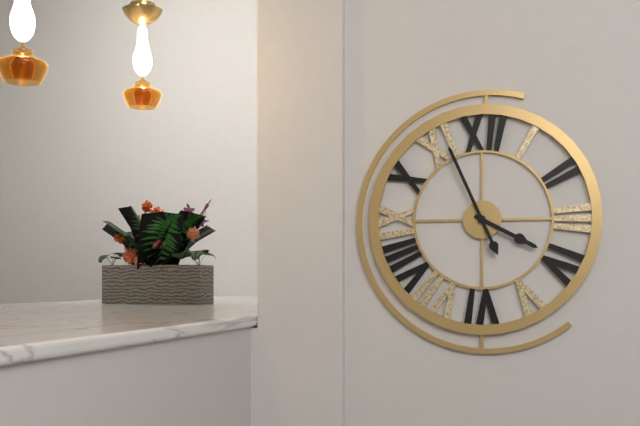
3:56
